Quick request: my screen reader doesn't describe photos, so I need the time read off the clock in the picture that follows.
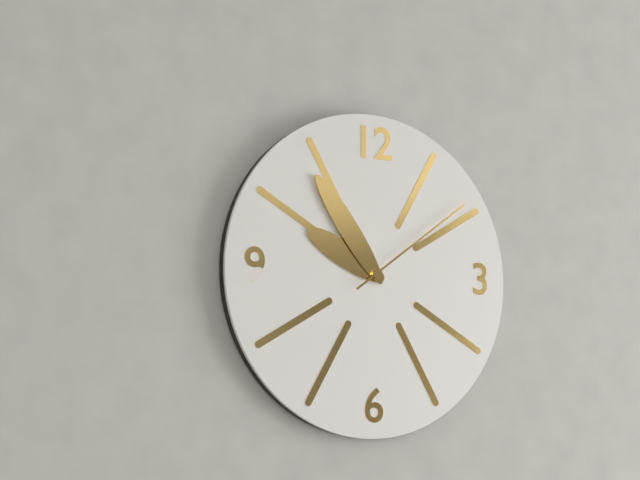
9:54:09
